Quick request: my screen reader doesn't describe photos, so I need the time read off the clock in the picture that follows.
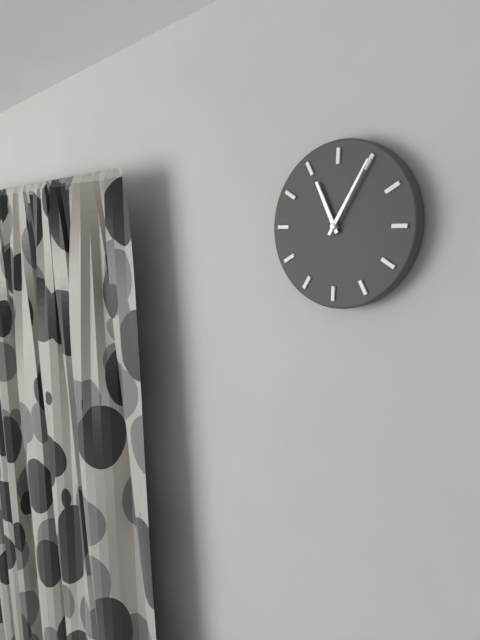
11:05
